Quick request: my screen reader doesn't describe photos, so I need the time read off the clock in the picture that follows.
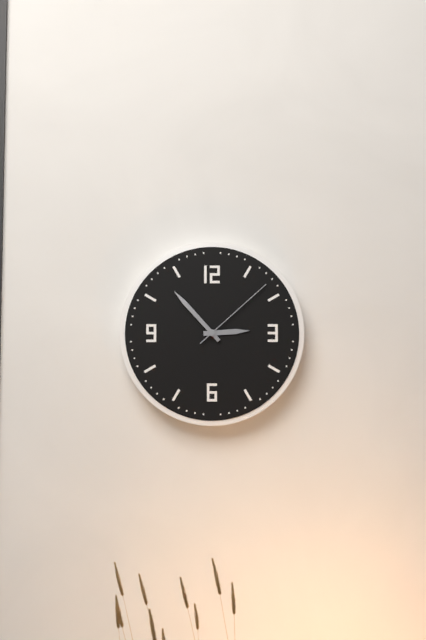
2:53:08
